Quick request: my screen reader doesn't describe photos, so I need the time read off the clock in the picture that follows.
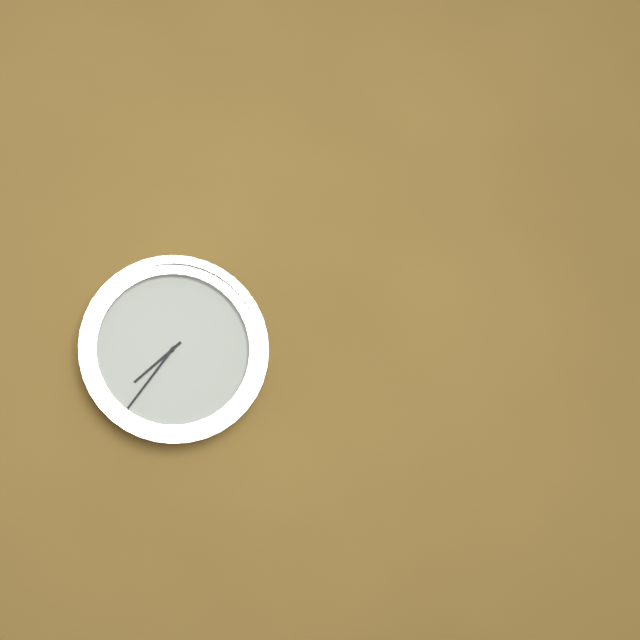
7:36
